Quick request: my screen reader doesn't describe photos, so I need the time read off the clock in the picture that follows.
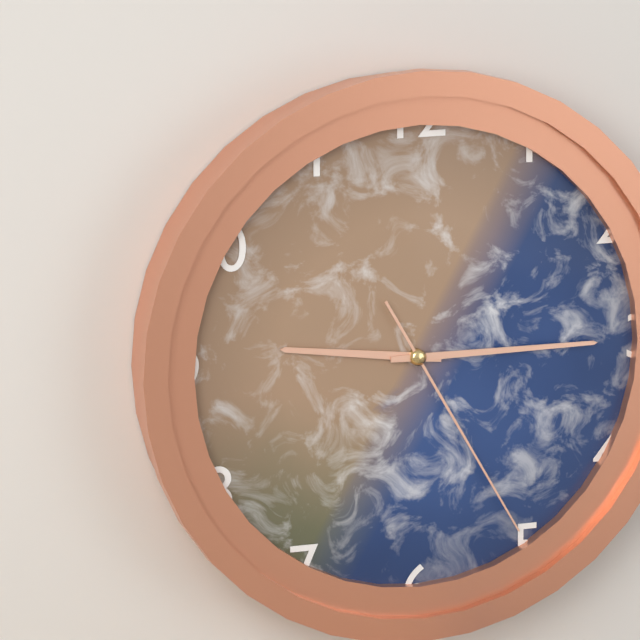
9:15:25
